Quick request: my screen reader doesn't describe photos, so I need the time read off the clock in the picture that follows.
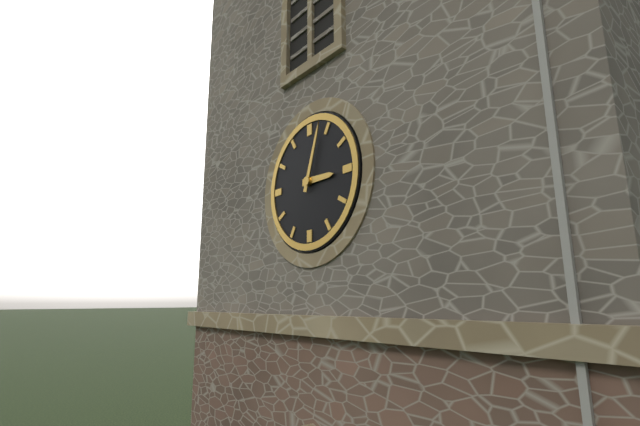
3:03
